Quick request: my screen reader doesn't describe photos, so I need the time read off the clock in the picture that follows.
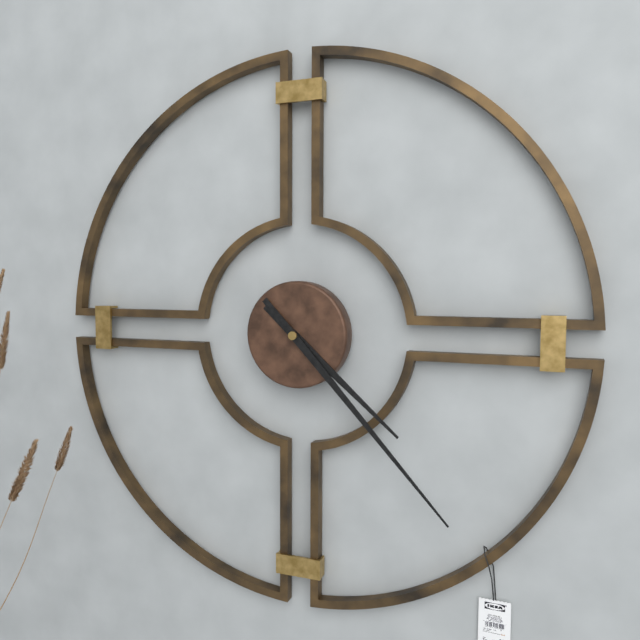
4:23
